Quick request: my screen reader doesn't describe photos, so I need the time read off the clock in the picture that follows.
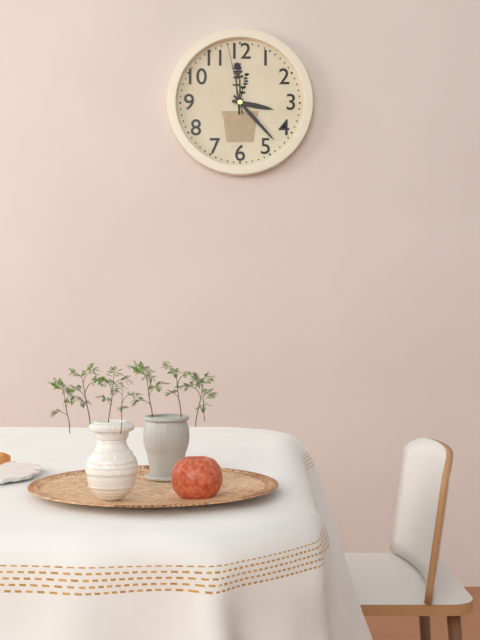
3:23:58
